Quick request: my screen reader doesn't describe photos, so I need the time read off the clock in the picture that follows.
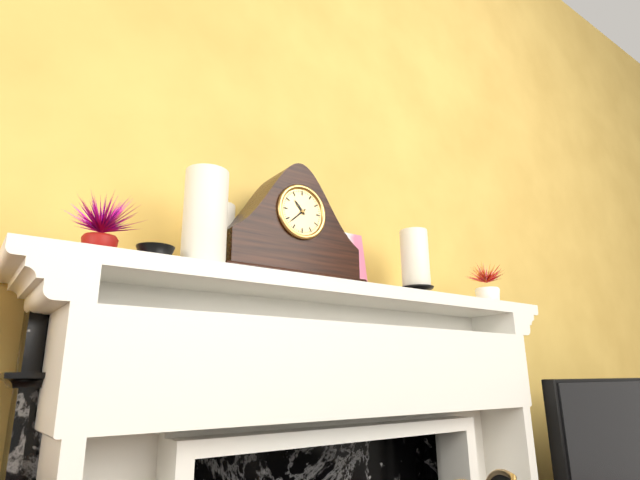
10:38
